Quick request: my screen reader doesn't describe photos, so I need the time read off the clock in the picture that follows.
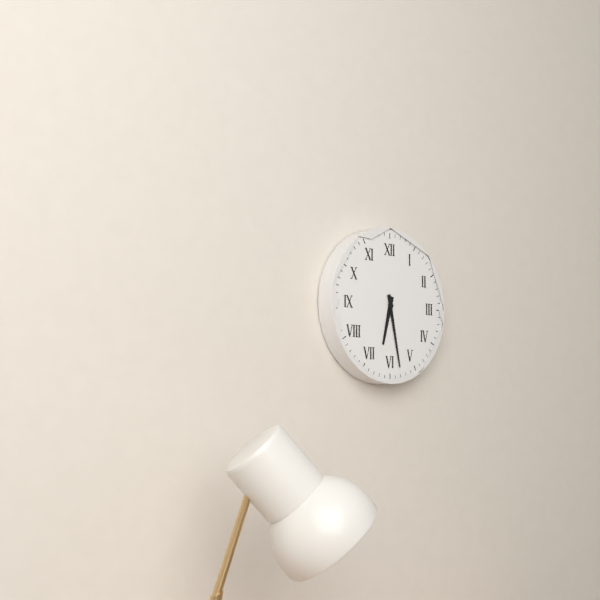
6:28
